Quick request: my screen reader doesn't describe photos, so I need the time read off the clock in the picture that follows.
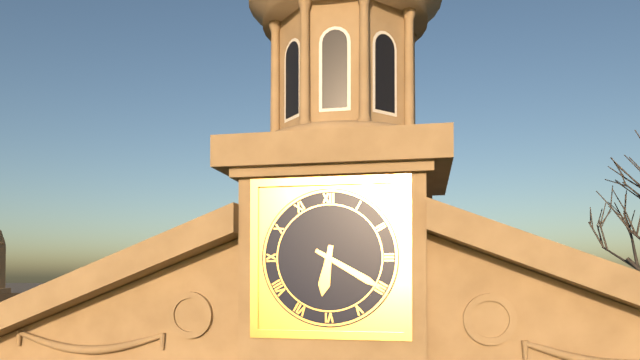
6:20
